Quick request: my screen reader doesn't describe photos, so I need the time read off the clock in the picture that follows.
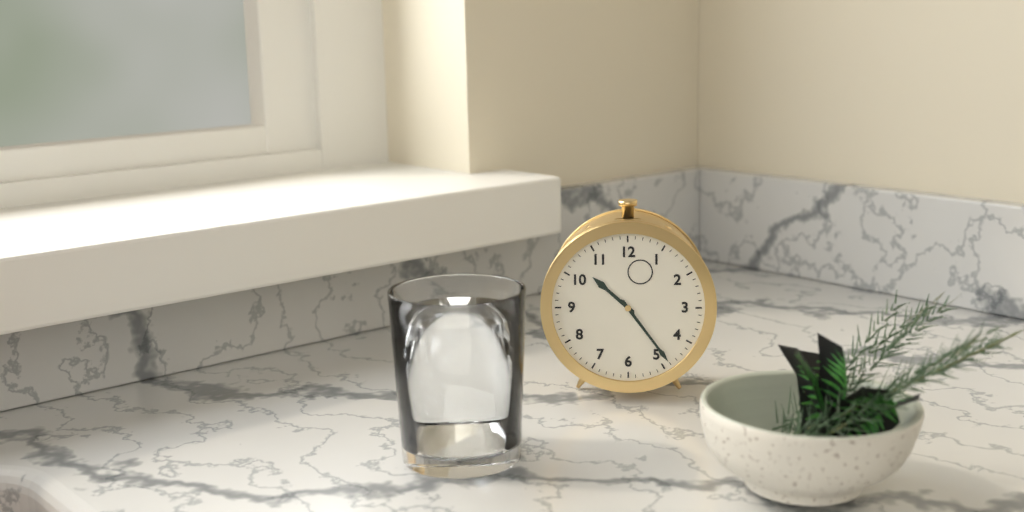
10:24
